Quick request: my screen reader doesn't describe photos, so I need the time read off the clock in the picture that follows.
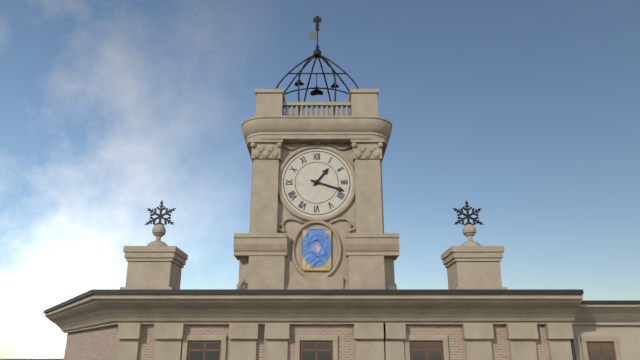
1:18
